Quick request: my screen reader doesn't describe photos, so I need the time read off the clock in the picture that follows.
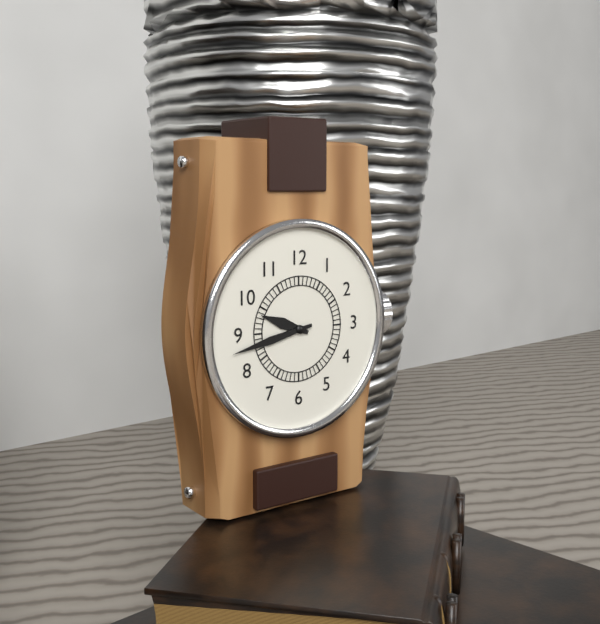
9:43
